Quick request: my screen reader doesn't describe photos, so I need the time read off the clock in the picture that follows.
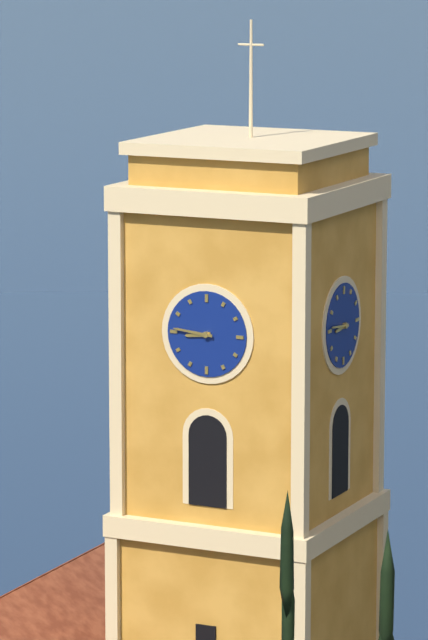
8:46
